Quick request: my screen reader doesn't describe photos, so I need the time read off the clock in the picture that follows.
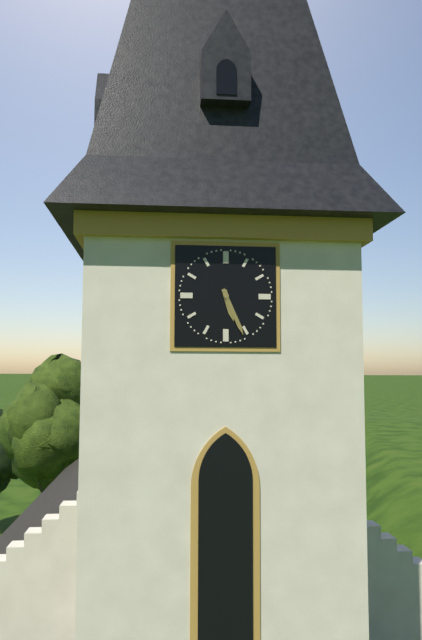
5:26
